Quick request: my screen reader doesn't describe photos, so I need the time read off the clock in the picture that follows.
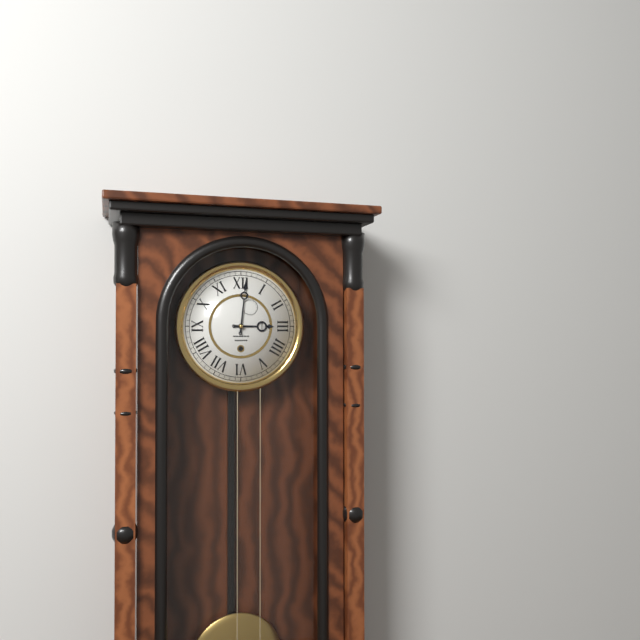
3:01
